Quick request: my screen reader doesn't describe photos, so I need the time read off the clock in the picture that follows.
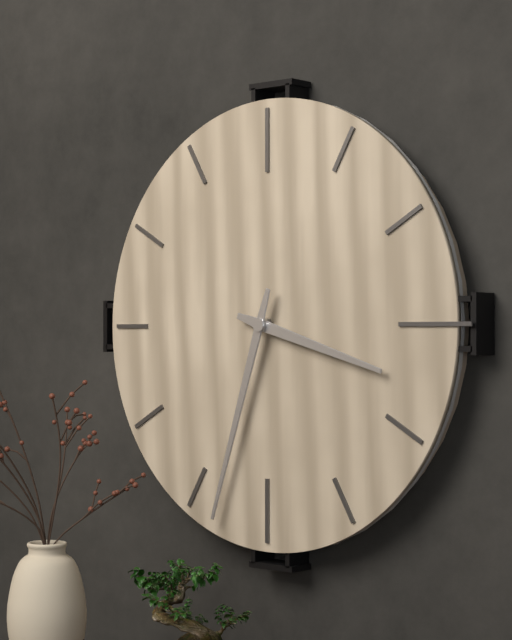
3:33
